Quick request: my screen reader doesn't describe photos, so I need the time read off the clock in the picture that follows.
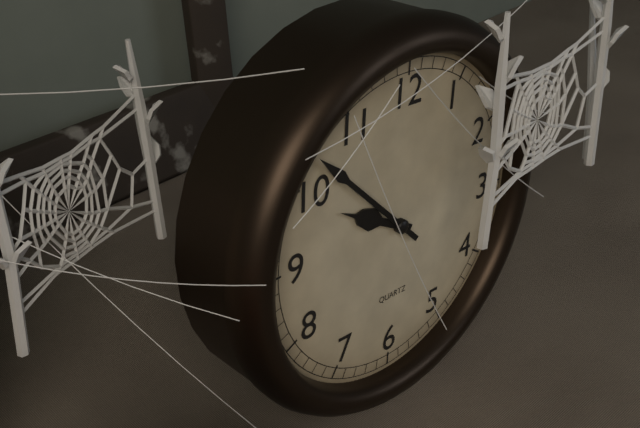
9:52
